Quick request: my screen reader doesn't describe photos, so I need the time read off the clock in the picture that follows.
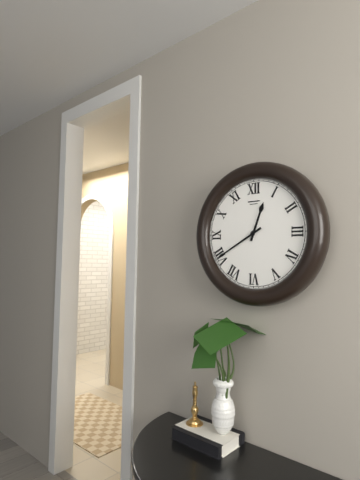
12:40
